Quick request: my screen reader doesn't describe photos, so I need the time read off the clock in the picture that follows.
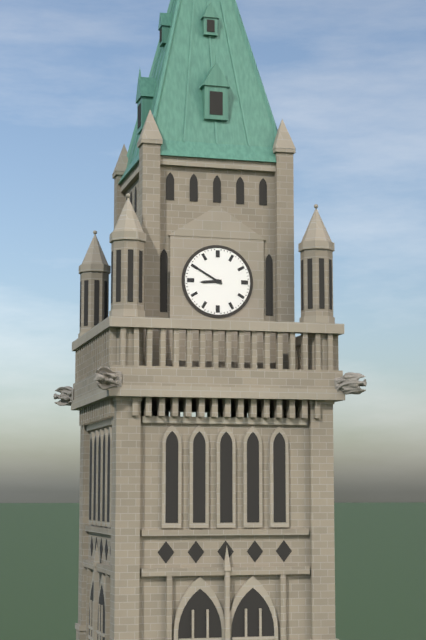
8:50
